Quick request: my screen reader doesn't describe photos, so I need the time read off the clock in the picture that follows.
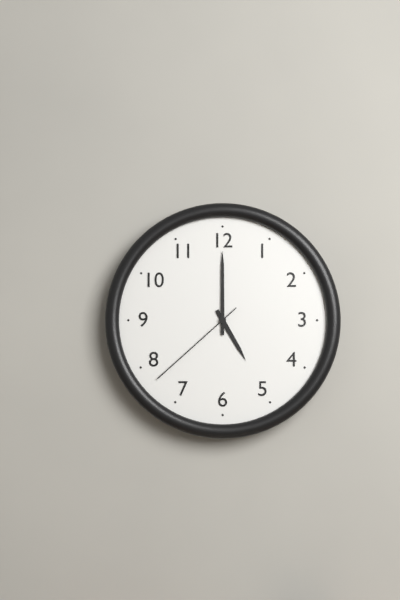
5:00:38
